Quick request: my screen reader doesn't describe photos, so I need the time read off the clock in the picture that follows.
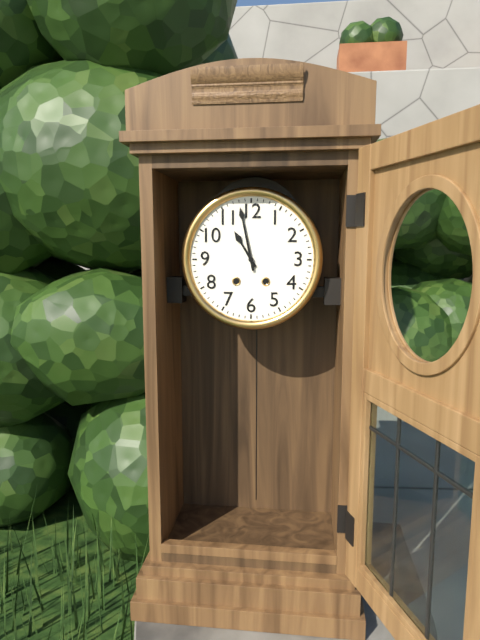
10:58
